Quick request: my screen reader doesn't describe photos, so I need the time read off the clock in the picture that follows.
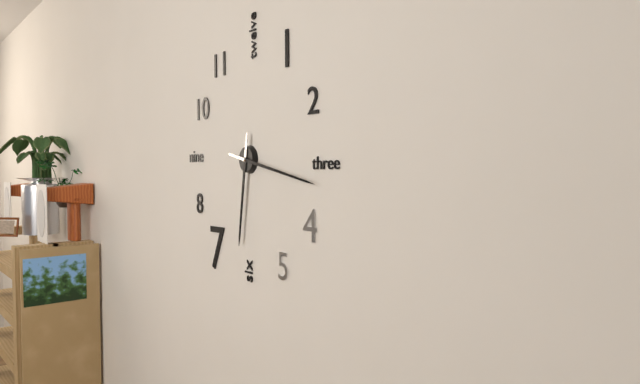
6:17
